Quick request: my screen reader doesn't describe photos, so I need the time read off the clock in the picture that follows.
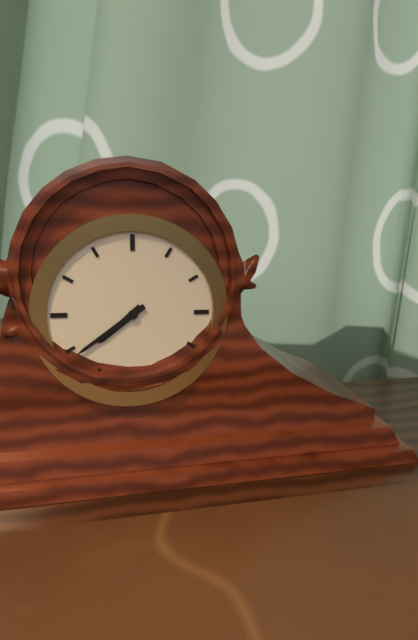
7:39
